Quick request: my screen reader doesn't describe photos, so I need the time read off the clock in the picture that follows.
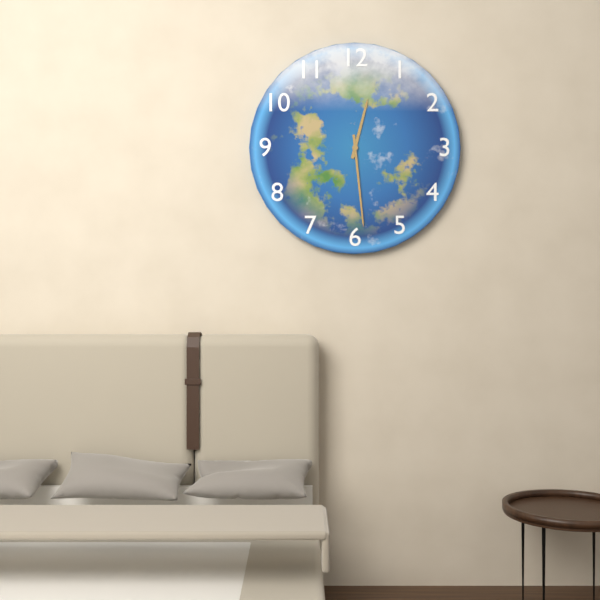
12:29
